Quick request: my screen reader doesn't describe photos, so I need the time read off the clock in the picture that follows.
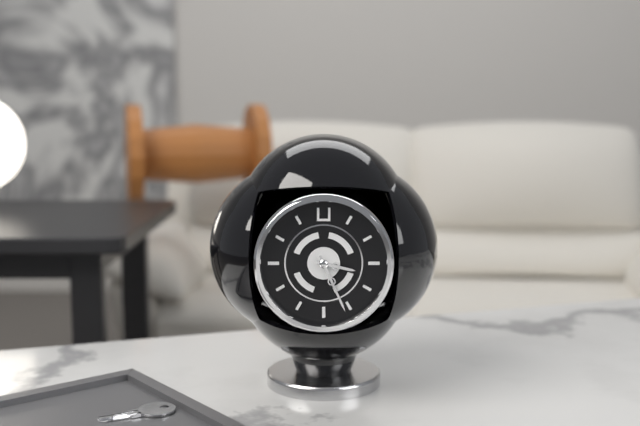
3:26
